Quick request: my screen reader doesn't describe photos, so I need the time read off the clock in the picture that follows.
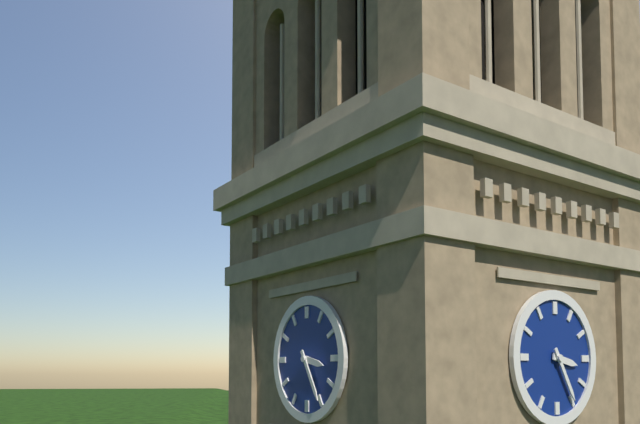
3:25
